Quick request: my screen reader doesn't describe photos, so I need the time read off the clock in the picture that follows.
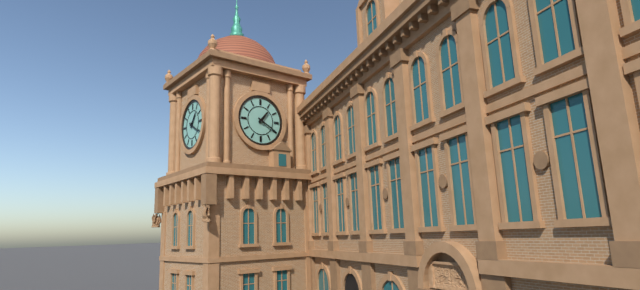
1:20
